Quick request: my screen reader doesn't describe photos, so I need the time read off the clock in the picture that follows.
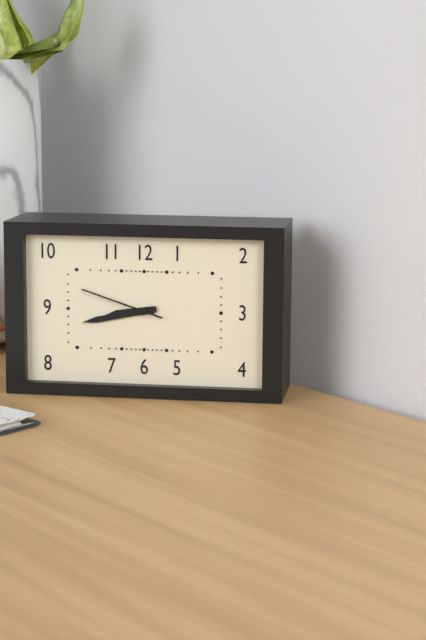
8:43:48
